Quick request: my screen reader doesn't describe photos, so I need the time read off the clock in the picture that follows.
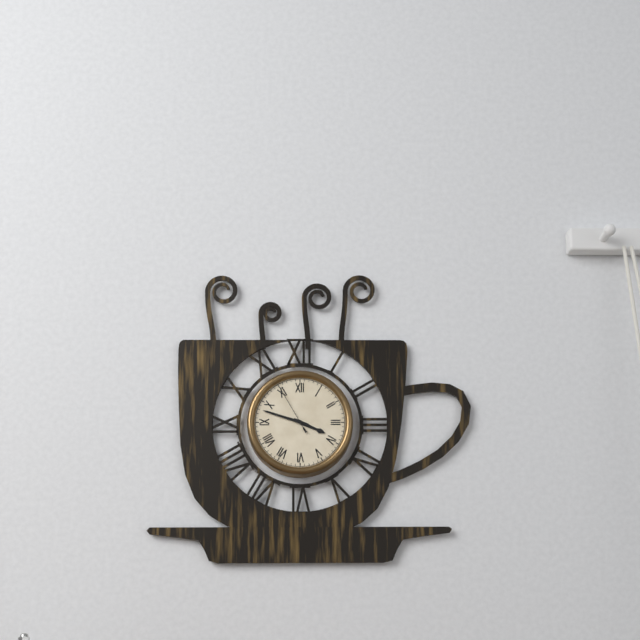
3:48:55
